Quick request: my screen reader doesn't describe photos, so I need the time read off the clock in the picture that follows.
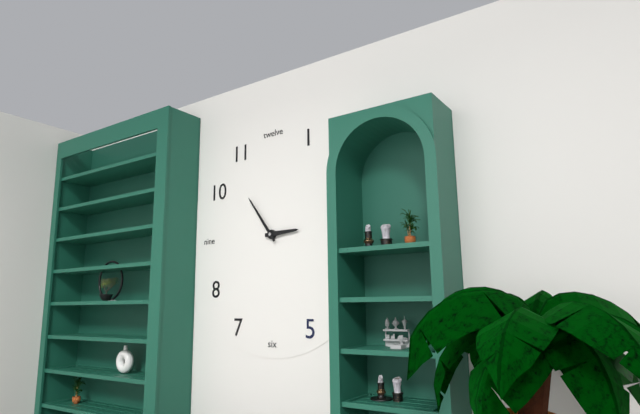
2:54
